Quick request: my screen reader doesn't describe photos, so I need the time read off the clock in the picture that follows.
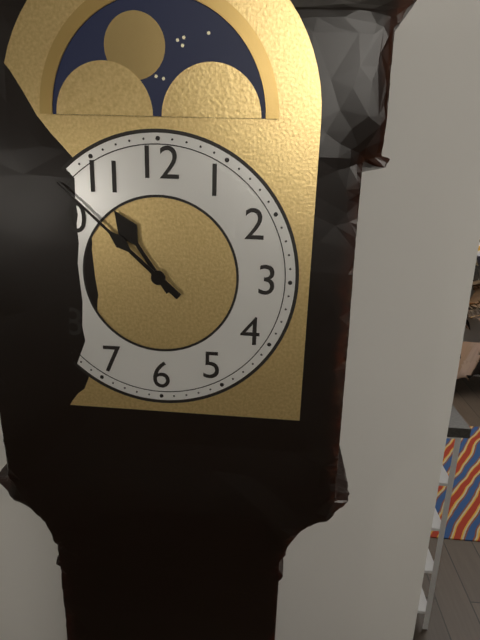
10:52
